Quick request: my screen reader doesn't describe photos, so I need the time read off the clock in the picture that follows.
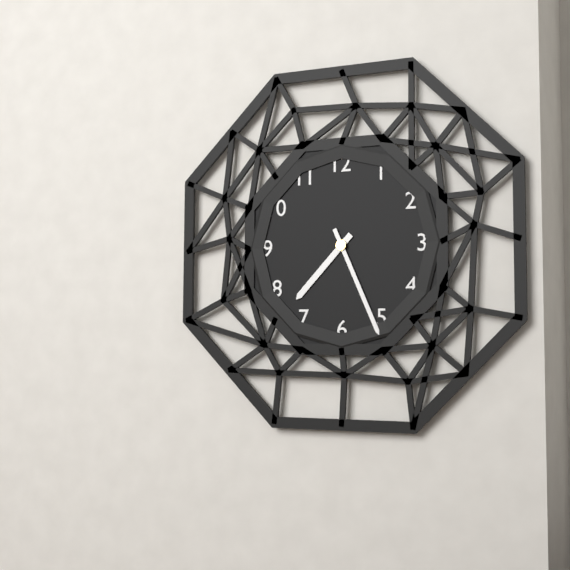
7:26
